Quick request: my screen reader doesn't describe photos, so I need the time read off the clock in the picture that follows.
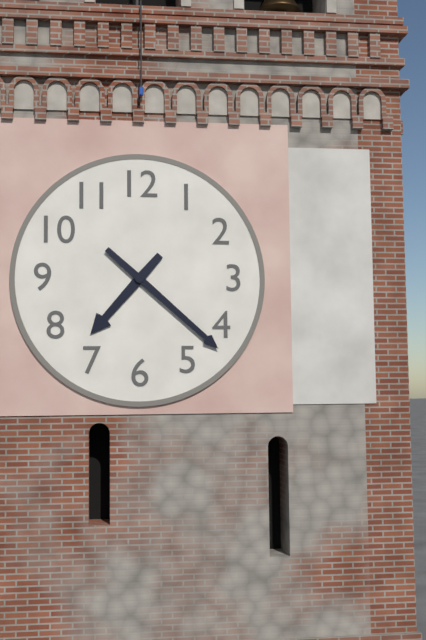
7:22
